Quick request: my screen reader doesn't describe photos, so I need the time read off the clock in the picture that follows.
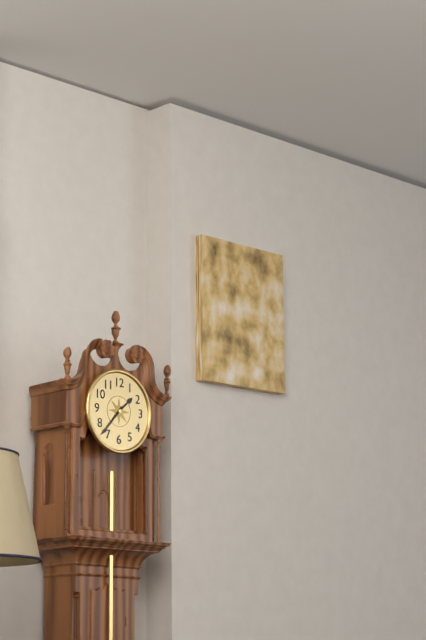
1:37
